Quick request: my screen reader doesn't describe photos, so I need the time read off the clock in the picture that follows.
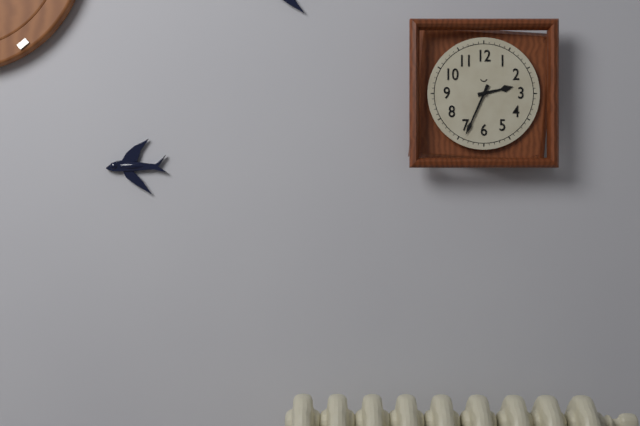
2:34
